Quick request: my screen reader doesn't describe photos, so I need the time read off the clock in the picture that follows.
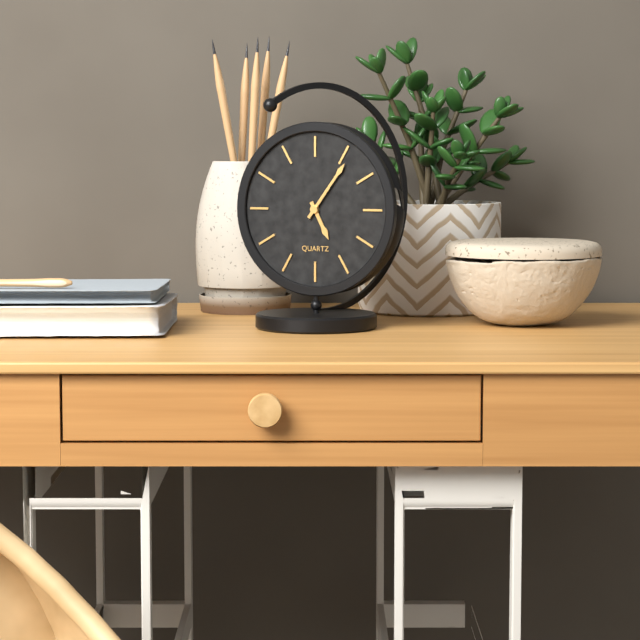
5:06
